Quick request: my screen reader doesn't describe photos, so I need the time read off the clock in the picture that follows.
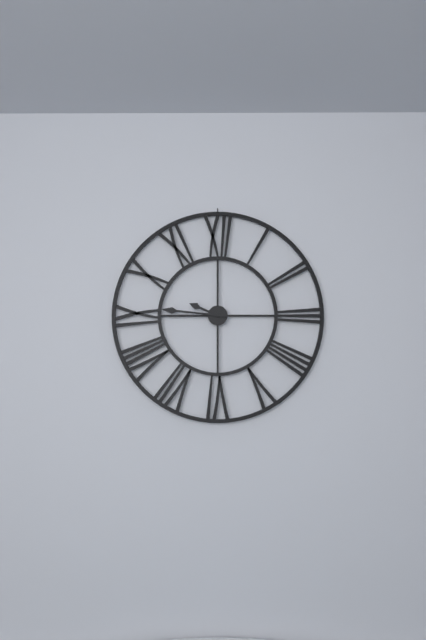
9:46
